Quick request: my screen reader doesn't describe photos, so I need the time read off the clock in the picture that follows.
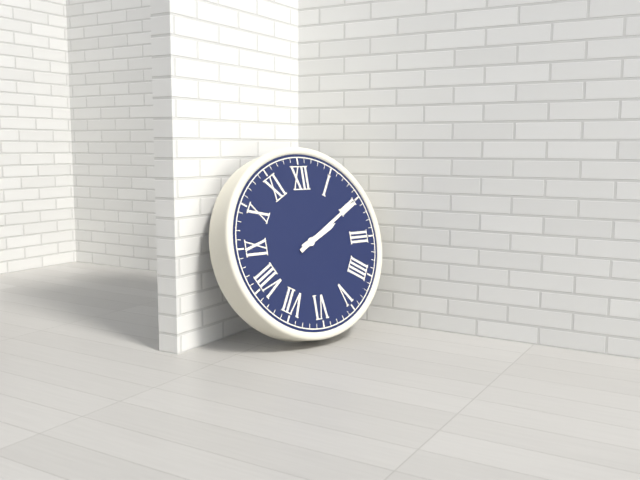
2:10
